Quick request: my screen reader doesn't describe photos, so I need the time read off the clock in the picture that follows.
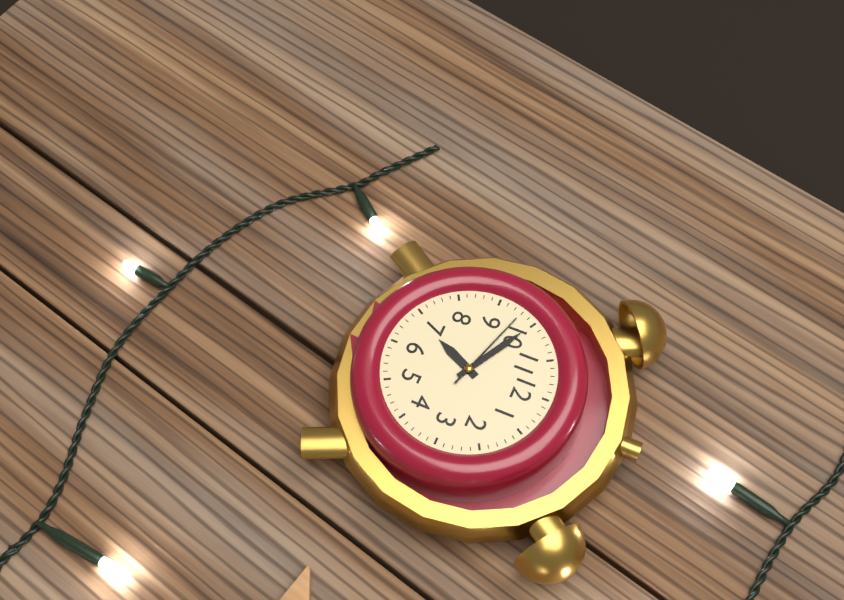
6:50:48
